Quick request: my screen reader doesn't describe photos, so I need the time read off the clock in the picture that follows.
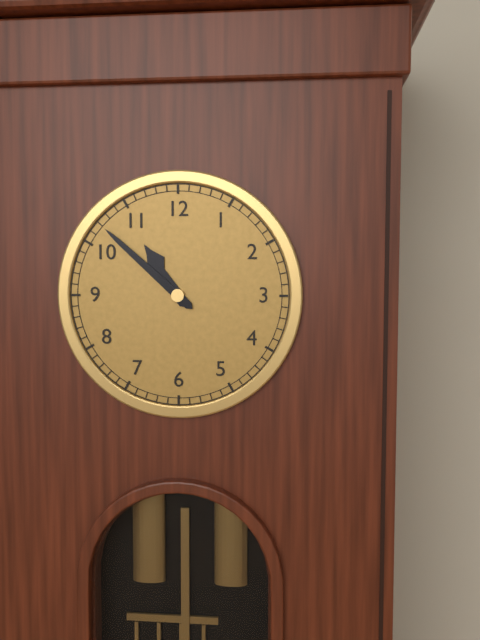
10:52
